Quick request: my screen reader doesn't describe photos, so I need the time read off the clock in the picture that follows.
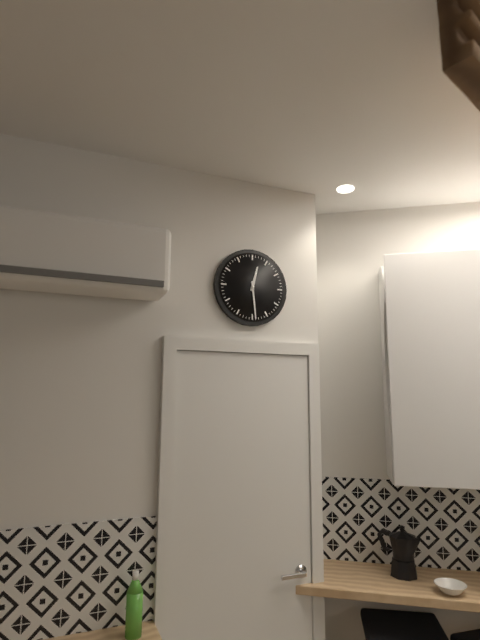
12:29
